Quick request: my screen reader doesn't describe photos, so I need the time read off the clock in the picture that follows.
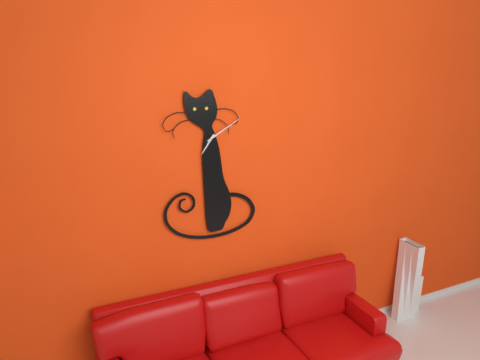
7:10
